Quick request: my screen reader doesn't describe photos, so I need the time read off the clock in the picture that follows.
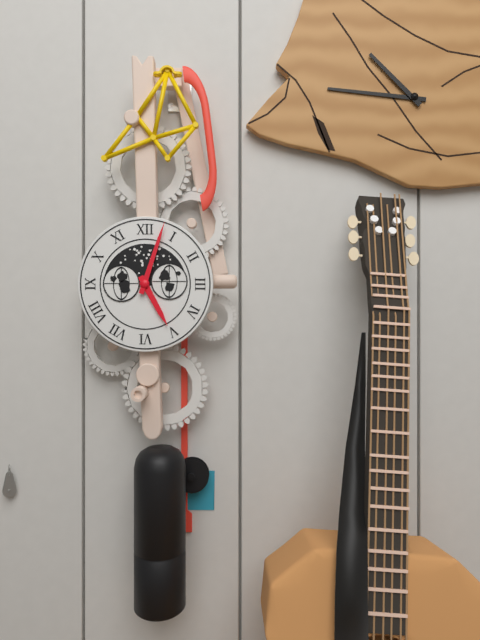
5:03
